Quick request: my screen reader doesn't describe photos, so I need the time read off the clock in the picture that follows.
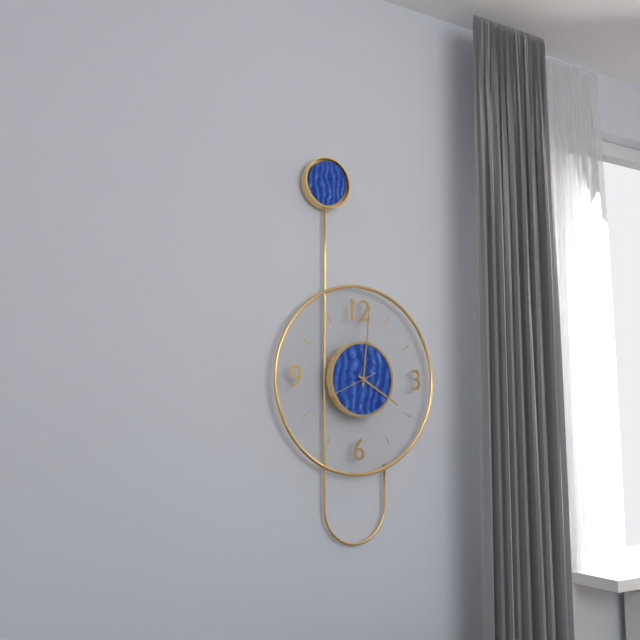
4:01:41
